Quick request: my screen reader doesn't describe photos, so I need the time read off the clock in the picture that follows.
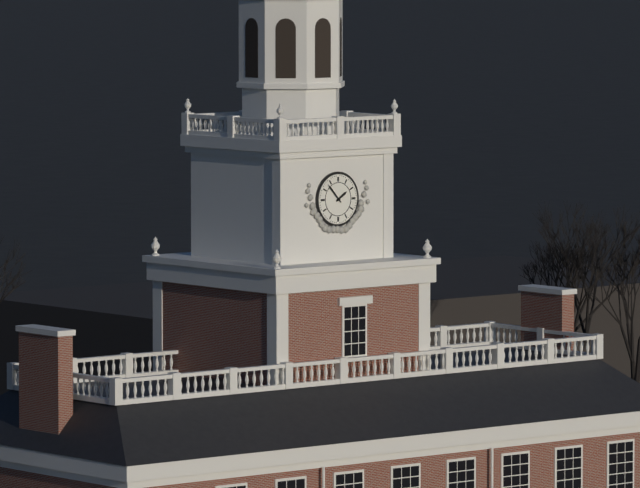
1:53
